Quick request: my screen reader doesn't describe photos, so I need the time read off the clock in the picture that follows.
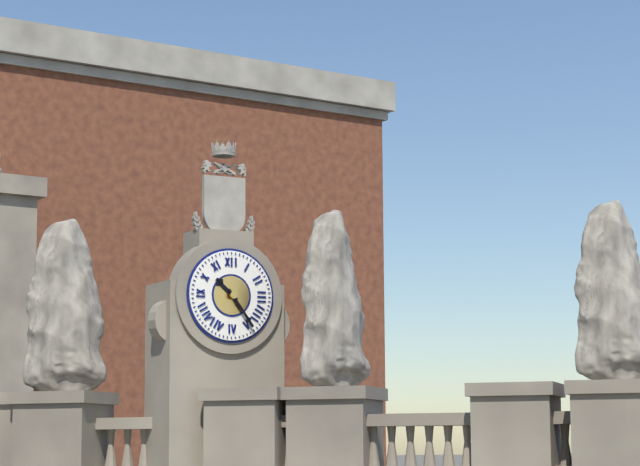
10:24
